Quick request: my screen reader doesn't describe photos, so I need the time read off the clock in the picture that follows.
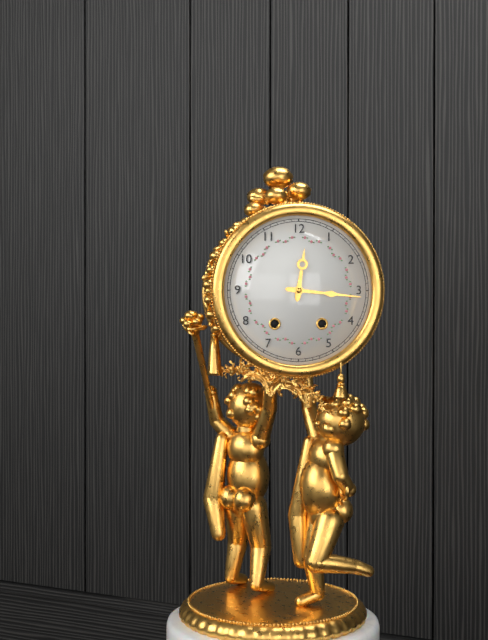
12:16
